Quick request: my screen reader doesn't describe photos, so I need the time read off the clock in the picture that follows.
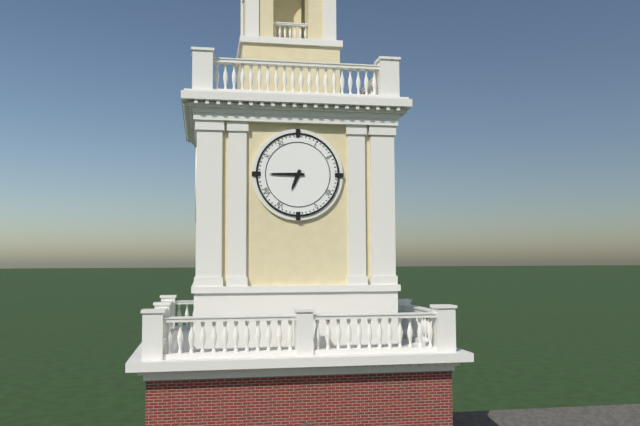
6:45
